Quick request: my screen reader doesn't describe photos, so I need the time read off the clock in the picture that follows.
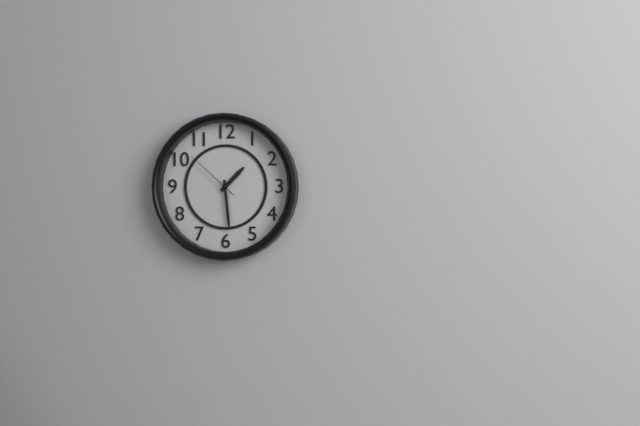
1:29:52
